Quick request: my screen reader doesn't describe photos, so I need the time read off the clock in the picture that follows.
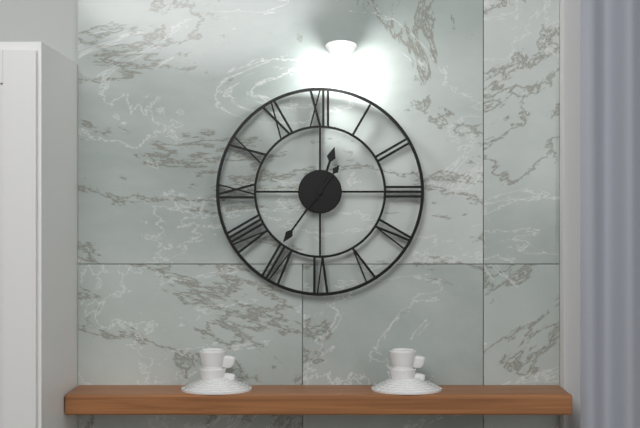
12:36
